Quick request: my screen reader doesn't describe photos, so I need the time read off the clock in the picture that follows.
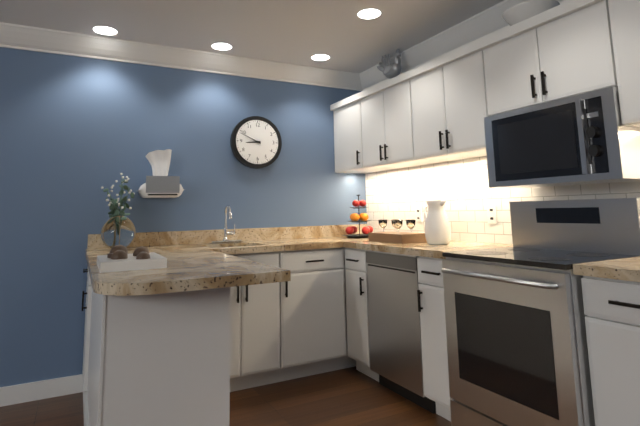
8:49
